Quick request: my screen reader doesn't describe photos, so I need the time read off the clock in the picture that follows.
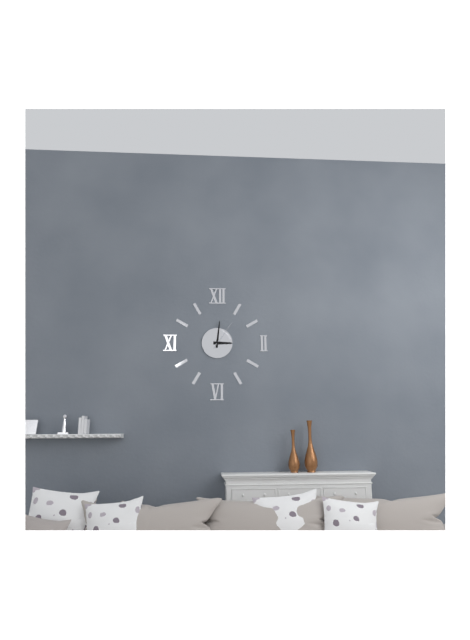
3:01
